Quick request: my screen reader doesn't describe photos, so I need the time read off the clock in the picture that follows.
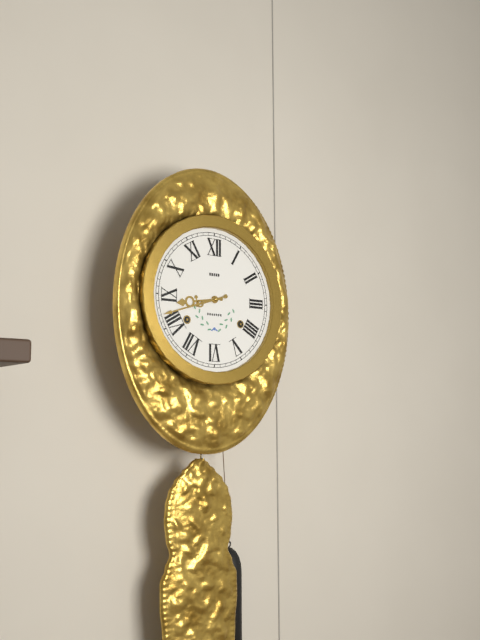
8:42
